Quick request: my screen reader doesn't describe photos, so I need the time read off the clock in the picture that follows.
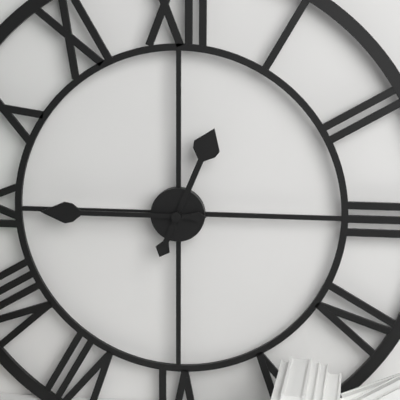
12:45
